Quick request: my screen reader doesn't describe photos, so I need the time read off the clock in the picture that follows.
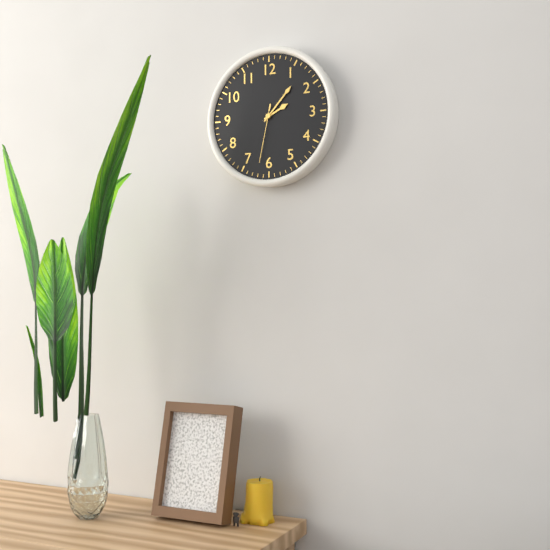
2:07:32
